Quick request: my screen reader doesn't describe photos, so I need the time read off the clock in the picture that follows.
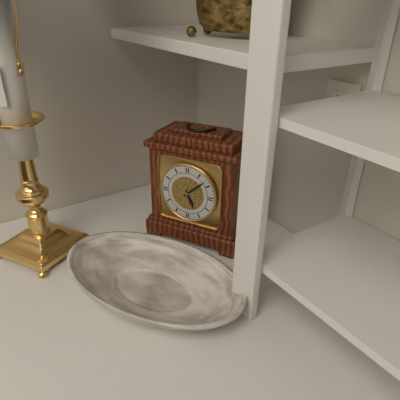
5:08
